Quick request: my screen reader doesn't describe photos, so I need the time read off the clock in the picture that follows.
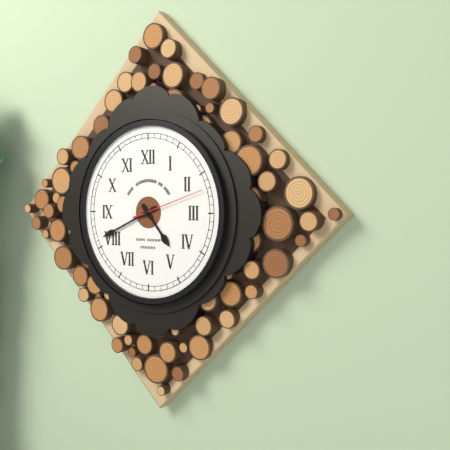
4:41:12
